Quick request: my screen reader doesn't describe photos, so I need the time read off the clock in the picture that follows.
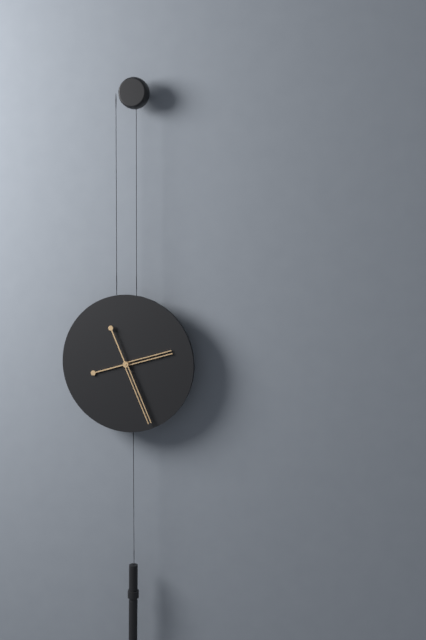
2:26
